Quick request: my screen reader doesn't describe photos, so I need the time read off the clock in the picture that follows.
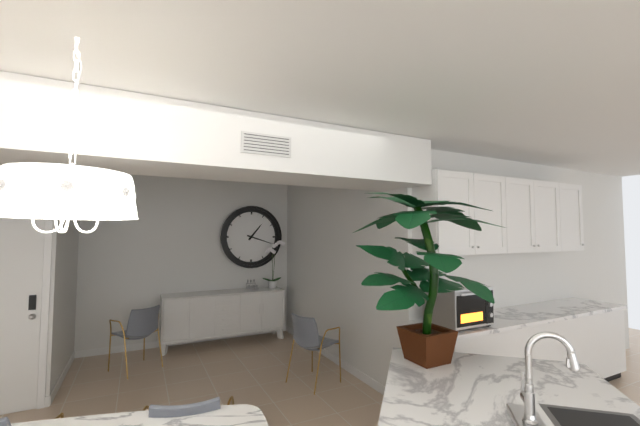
1:18
